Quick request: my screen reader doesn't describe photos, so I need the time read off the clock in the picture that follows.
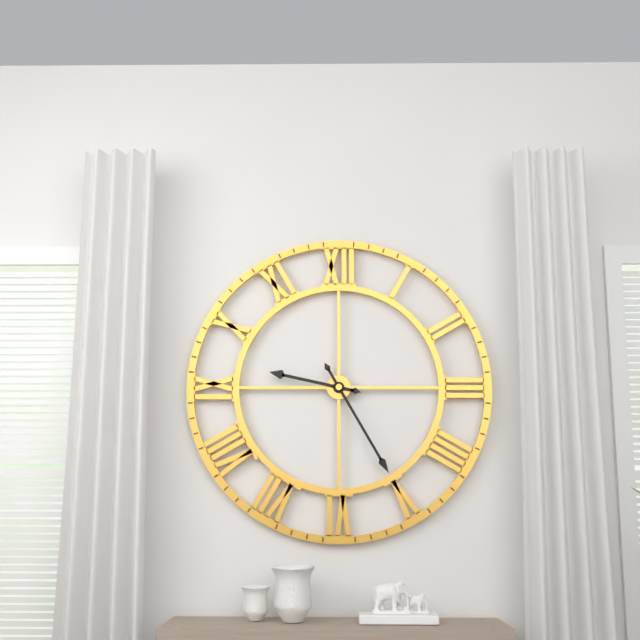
9:25
